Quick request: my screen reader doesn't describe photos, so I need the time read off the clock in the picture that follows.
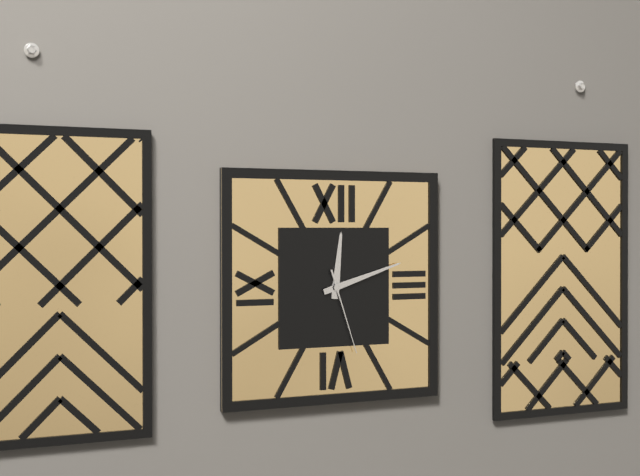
12:12:27
